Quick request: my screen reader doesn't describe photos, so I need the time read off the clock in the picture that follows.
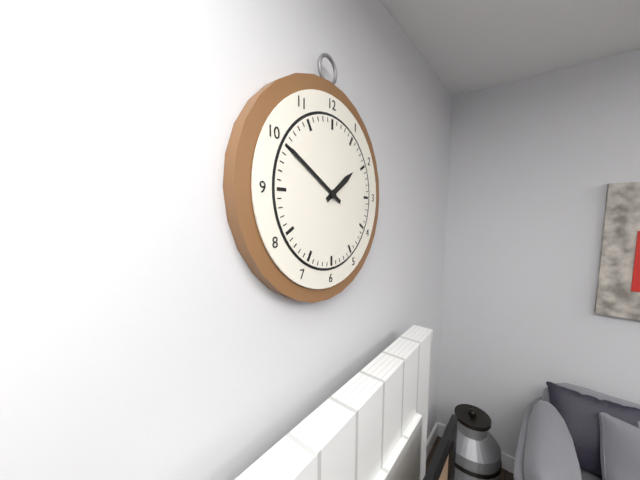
1:50
